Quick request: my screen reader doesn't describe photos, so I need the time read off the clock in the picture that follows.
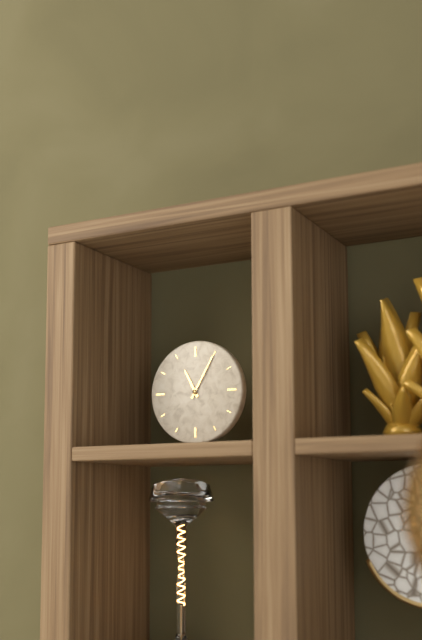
11:05
